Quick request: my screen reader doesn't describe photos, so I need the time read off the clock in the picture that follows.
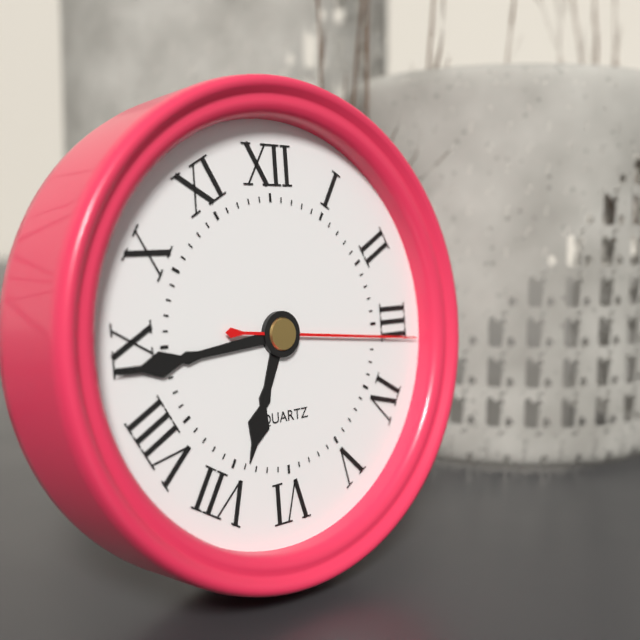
6:44:16
